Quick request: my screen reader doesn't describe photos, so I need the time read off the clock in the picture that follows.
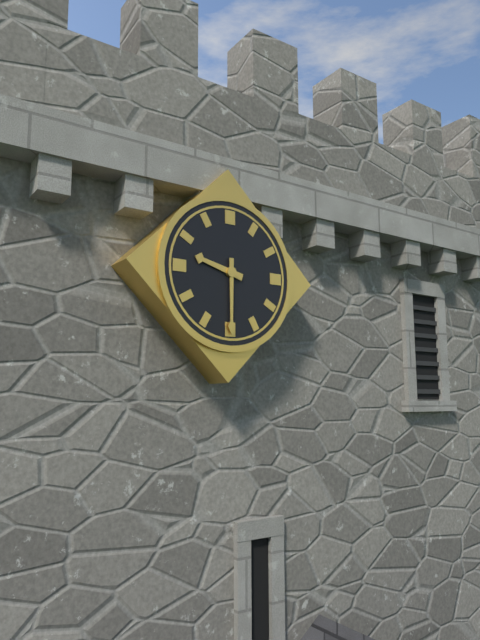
9:30
